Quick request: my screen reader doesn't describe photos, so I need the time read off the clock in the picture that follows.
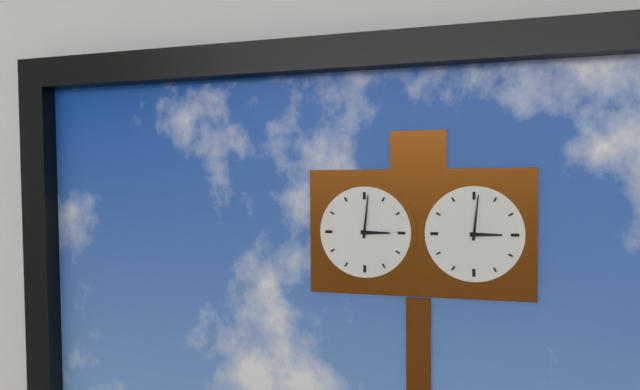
3:01
